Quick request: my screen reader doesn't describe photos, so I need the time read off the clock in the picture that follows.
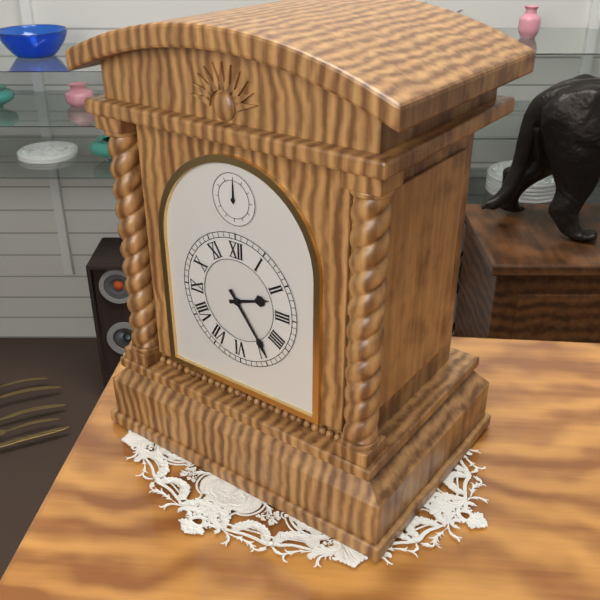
2:24
